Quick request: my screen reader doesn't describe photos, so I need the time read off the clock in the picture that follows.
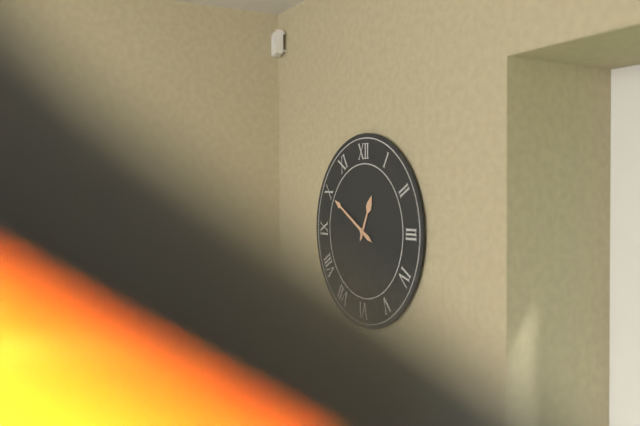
12:50
